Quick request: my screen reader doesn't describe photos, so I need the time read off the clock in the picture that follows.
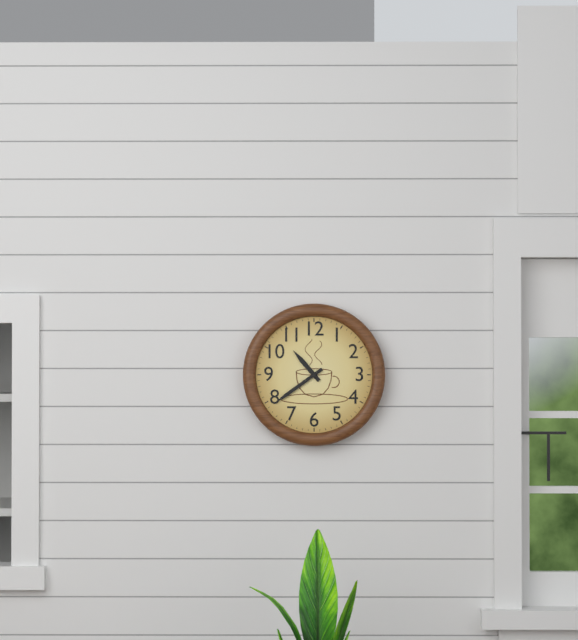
10:39
